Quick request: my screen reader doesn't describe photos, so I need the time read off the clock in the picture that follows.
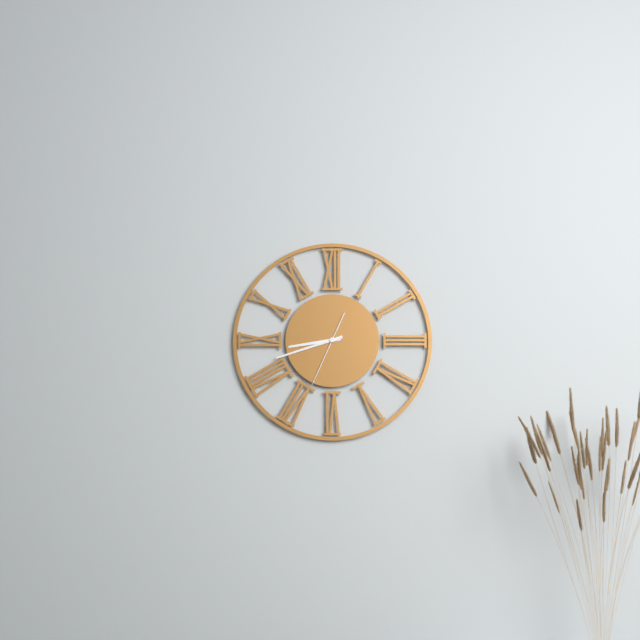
8:42:34
